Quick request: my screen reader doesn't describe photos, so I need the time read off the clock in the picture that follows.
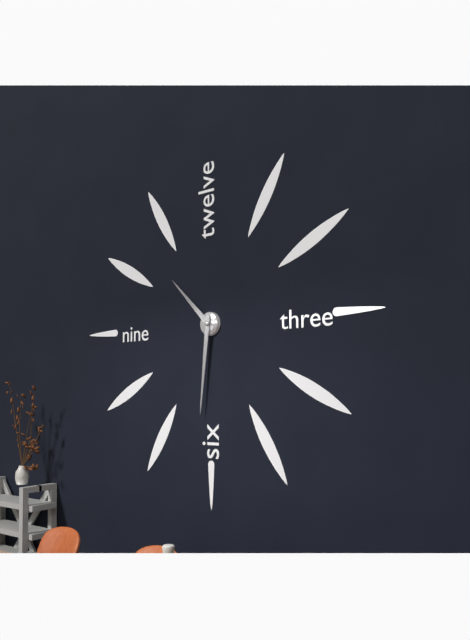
10:31
